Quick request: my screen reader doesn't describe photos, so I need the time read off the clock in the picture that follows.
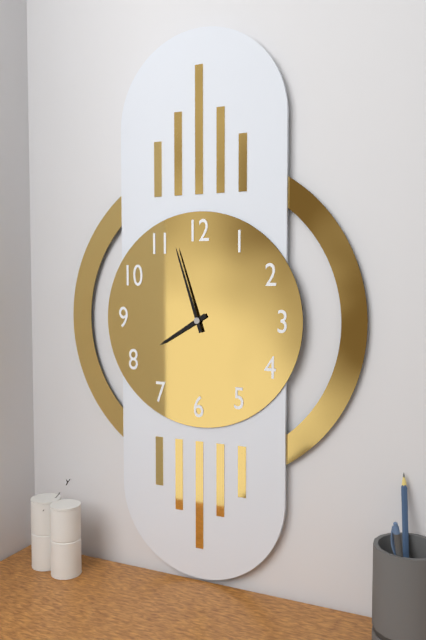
7:57
